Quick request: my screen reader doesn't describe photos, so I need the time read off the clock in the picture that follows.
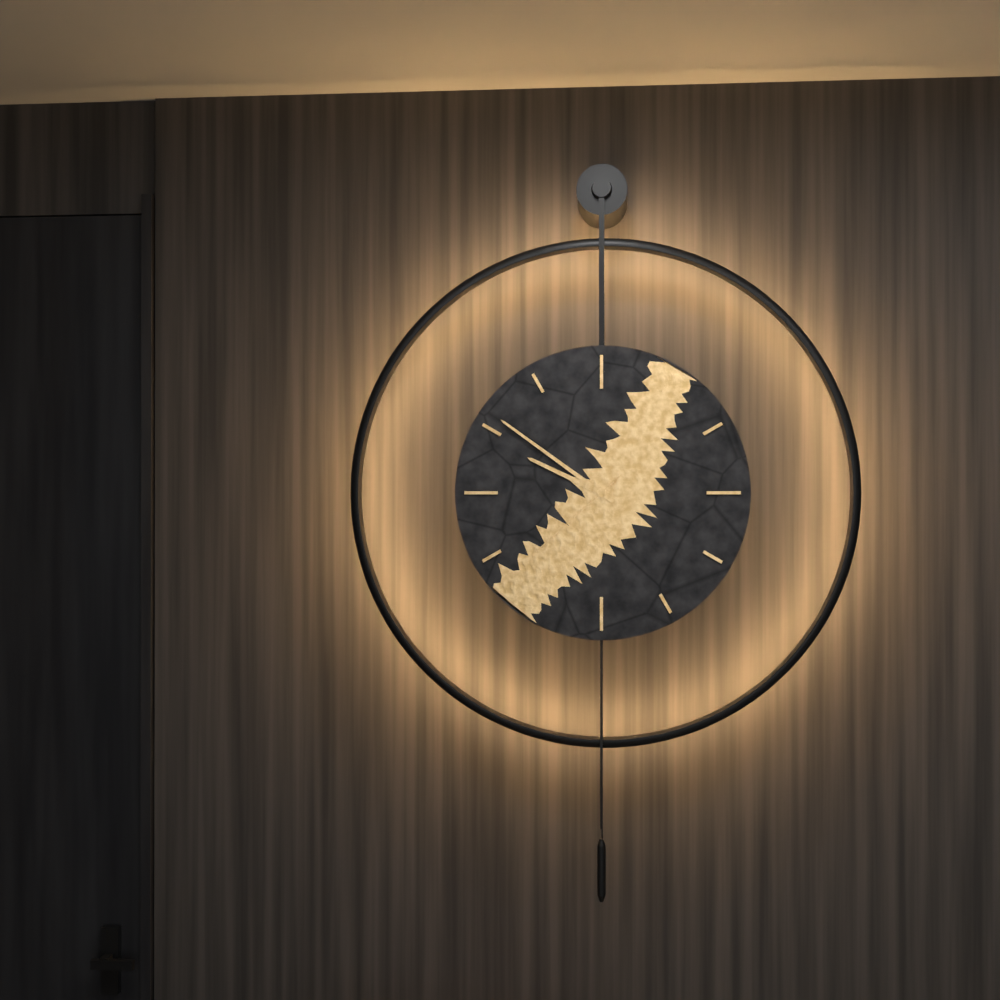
9:51:38
